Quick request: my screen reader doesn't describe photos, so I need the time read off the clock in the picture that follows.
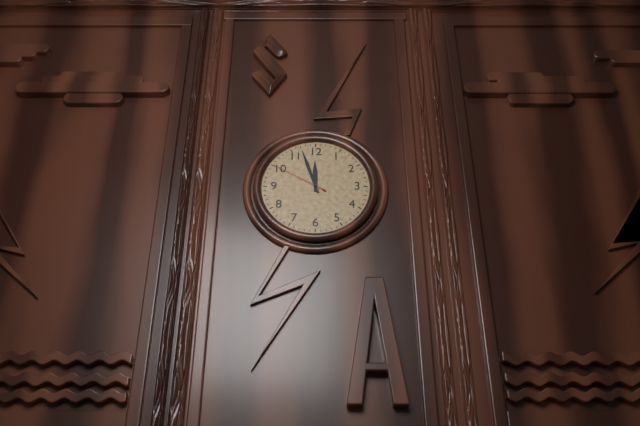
11:57:50
